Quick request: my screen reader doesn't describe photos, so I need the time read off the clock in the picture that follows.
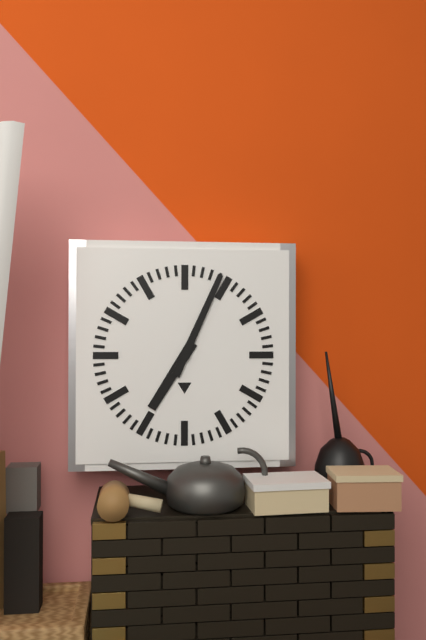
7:04
